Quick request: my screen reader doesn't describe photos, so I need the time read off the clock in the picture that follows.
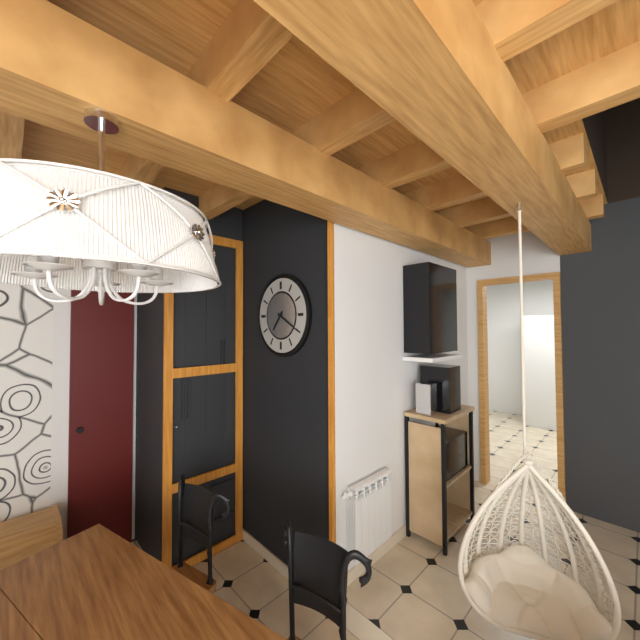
7:20
